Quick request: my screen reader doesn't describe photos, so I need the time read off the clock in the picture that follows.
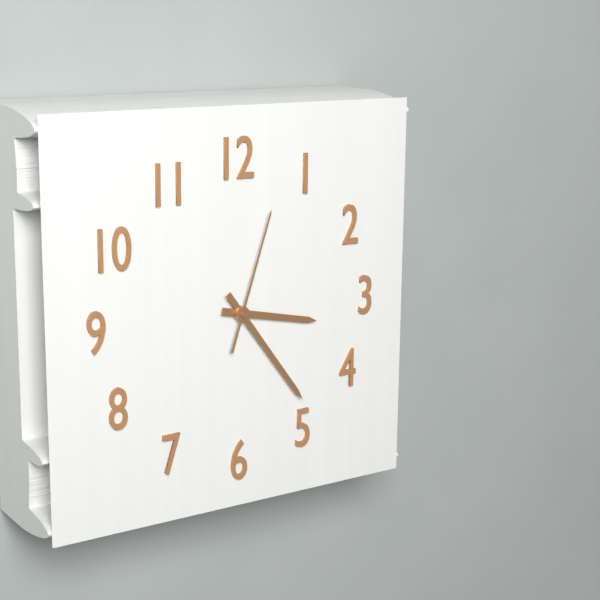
3:24:03
